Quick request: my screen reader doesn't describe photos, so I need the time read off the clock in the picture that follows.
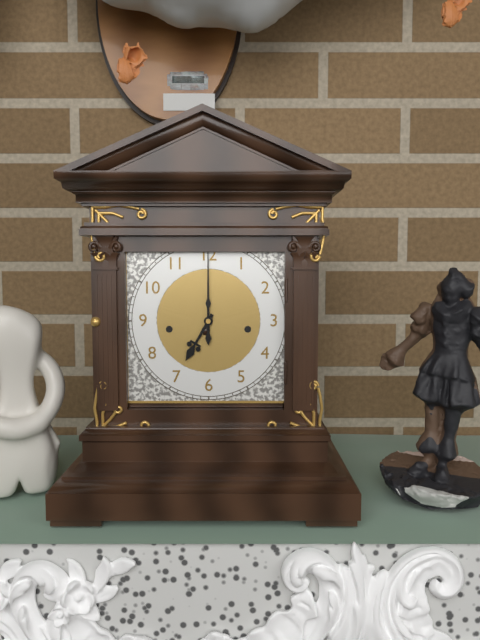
7:00
